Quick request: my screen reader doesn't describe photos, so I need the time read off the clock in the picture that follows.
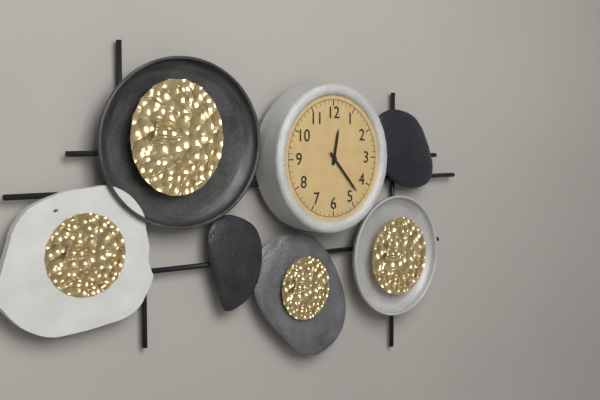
12:23
